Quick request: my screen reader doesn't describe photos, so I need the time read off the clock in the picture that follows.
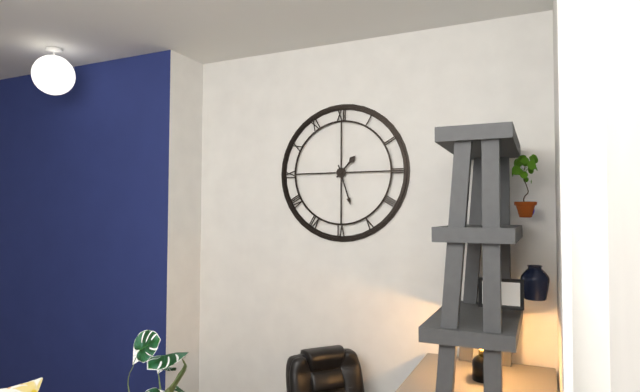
1:27
